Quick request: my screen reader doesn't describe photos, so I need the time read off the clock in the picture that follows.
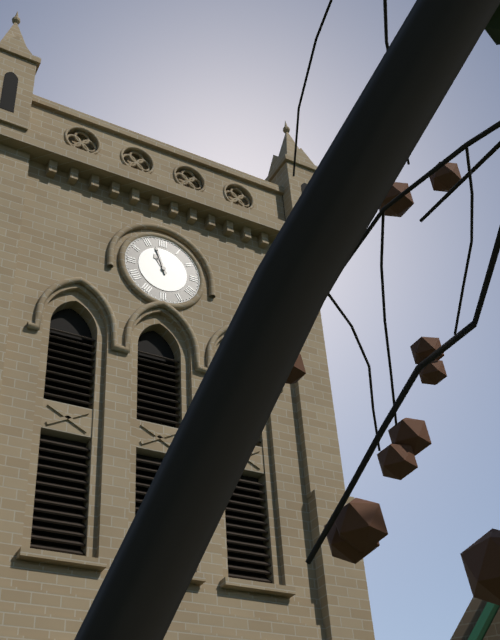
10:57
